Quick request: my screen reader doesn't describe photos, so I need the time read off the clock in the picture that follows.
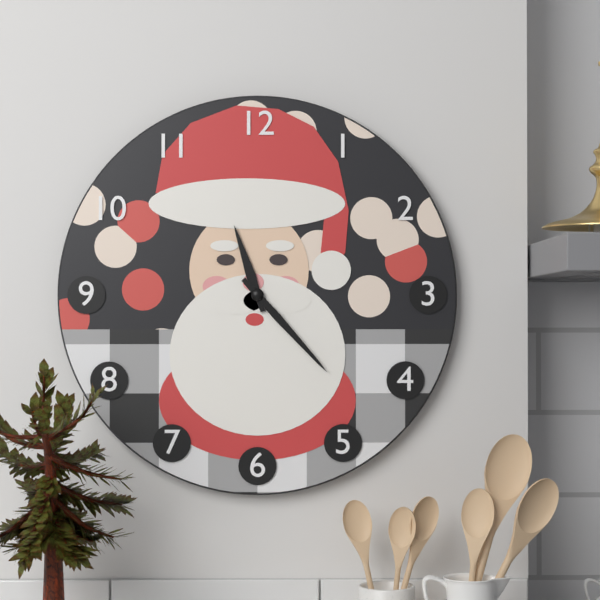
11:23
